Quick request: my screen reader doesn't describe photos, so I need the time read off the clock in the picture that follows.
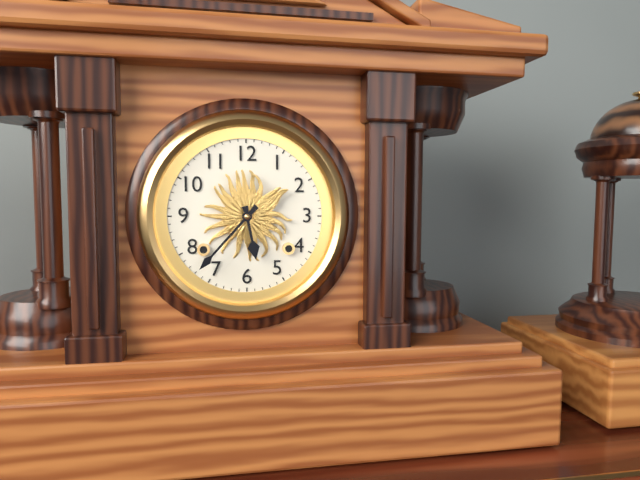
5:37
